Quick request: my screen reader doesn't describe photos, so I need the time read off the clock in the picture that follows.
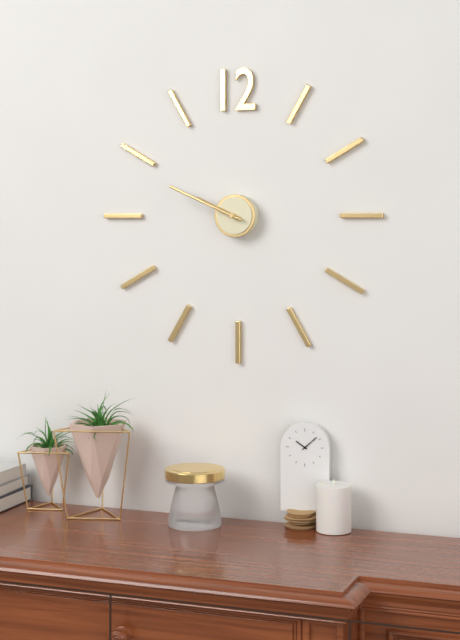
9:49
